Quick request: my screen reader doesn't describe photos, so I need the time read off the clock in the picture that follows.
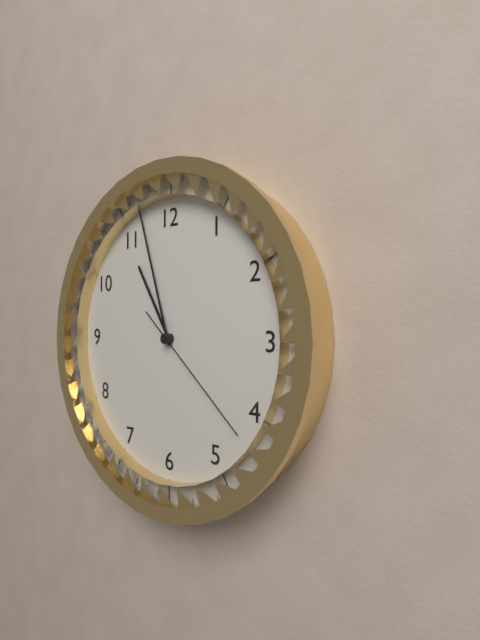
10:57:22
